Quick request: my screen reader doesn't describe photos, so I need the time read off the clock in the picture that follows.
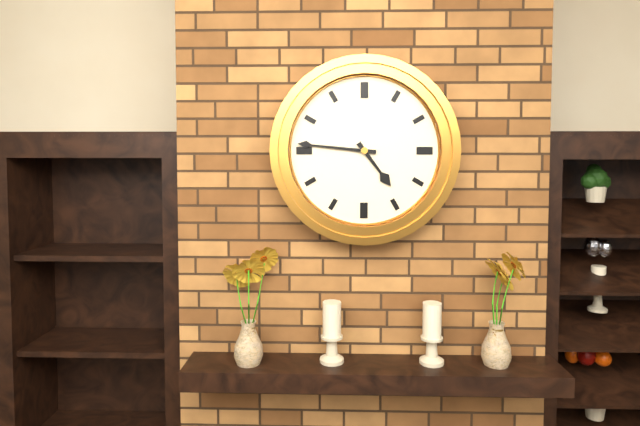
4:46
